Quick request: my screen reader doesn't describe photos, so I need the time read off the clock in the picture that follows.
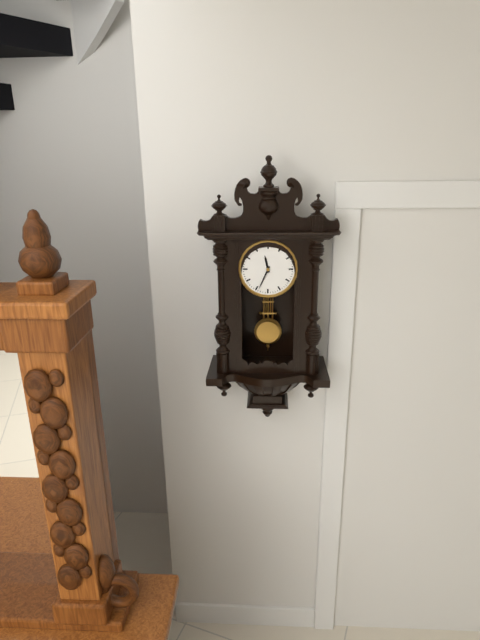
11:34
